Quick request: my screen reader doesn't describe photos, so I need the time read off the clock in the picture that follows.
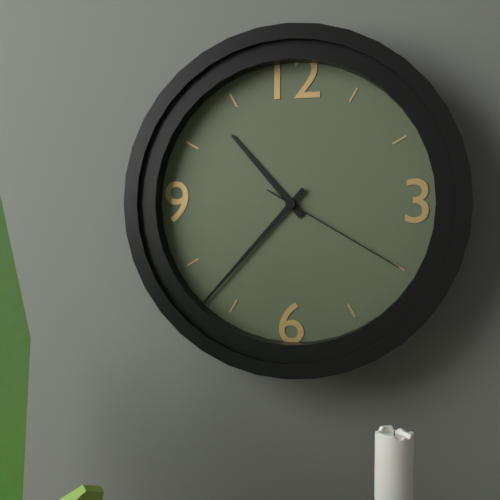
10:37:20
